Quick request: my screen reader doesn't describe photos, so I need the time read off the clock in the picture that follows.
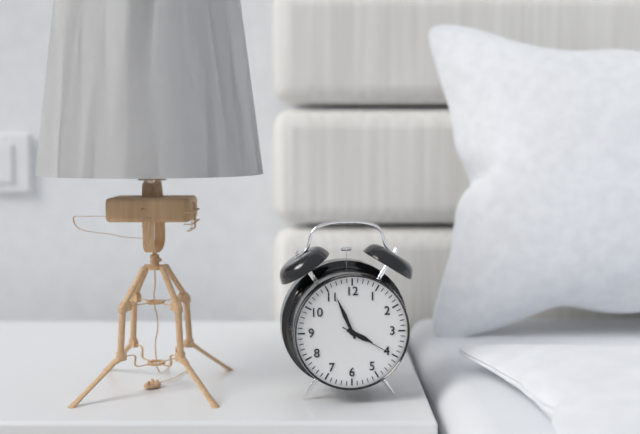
3:56:20
